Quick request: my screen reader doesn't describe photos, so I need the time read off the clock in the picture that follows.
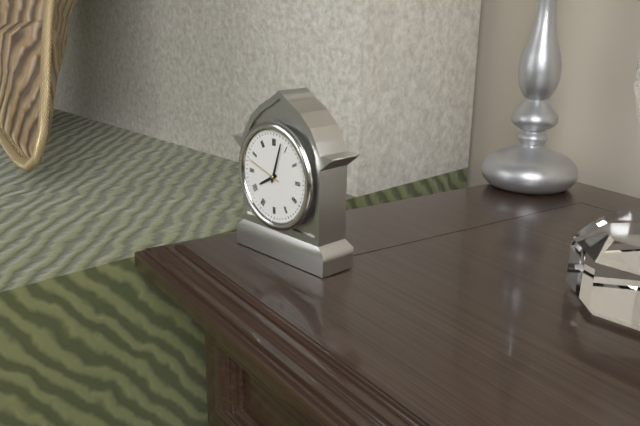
8:03
